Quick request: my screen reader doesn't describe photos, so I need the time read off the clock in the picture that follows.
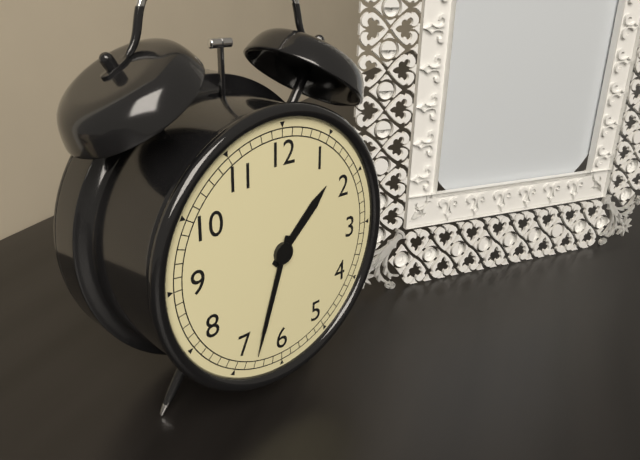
1:33
